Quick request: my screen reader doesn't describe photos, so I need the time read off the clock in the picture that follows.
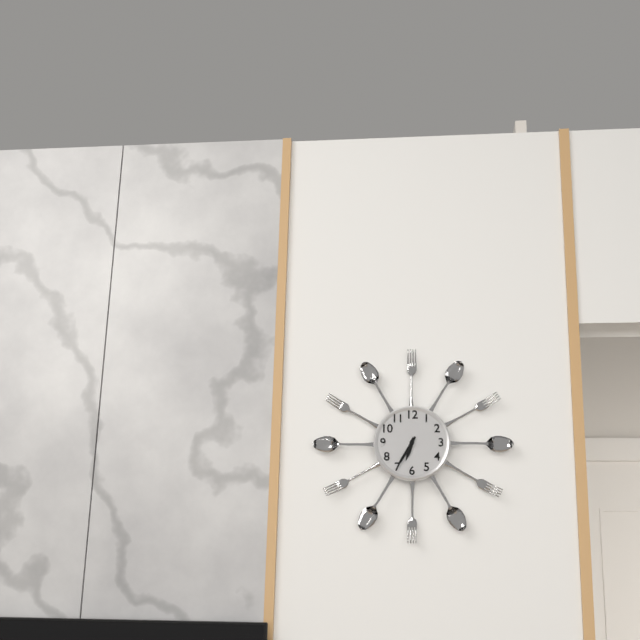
6:35
